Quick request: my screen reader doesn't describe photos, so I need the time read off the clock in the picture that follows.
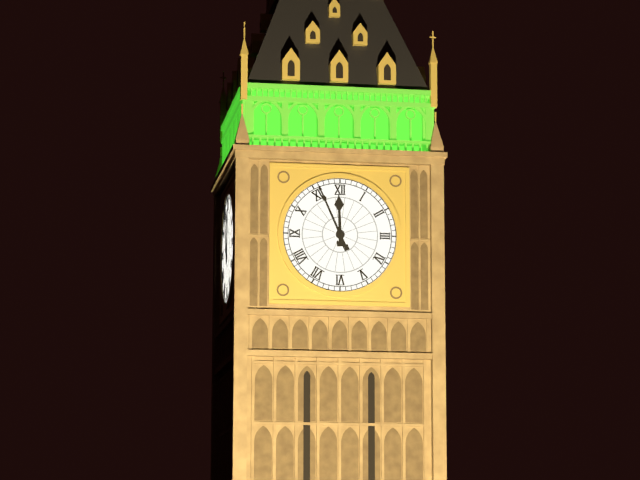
11:56
